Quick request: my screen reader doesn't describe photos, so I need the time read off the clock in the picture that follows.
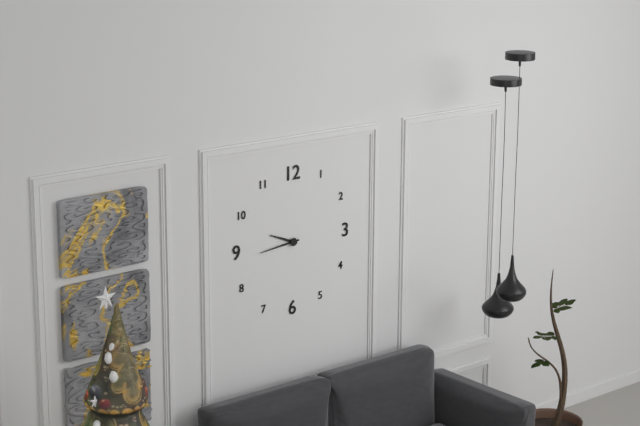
9:44
